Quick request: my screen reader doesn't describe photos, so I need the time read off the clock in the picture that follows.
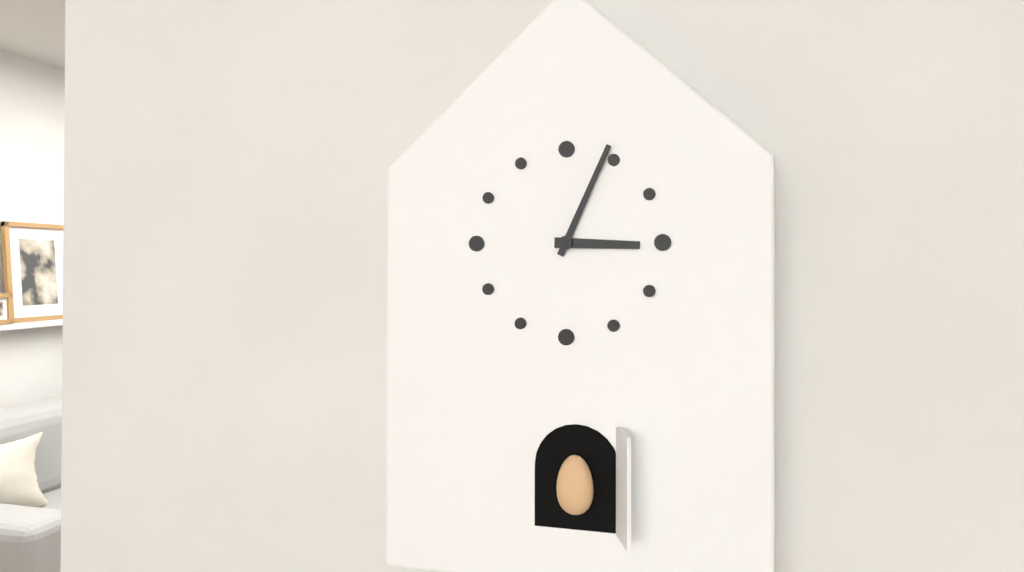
3:04
